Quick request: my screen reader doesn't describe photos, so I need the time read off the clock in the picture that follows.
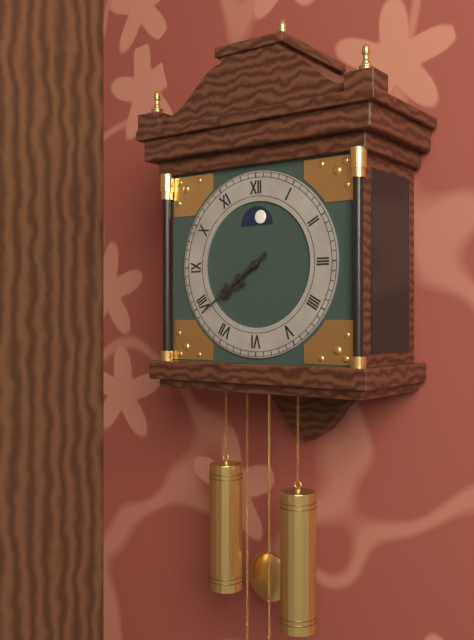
7:39
